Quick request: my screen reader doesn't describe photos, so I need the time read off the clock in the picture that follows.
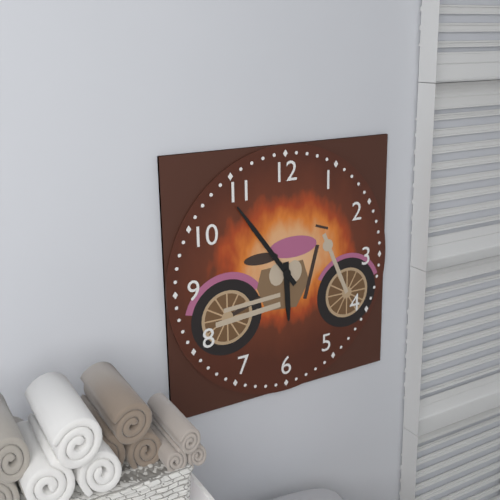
5:54
